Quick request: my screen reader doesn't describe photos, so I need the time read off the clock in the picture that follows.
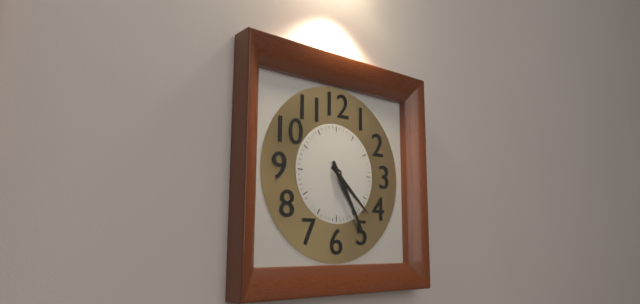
4:25
